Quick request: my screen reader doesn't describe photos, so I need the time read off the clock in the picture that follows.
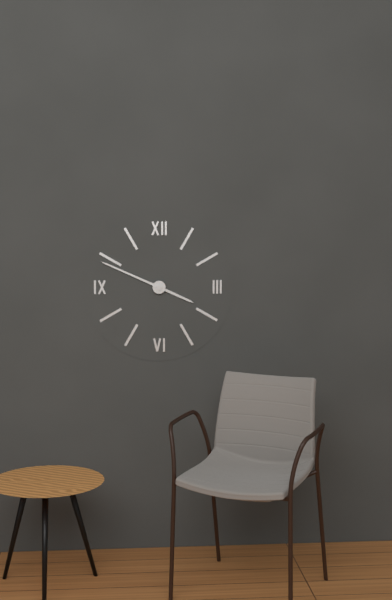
3:49
